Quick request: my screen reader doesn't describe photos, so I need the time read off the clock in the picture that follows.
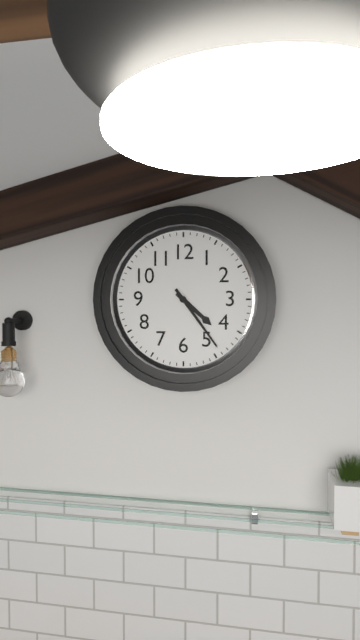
4:24
